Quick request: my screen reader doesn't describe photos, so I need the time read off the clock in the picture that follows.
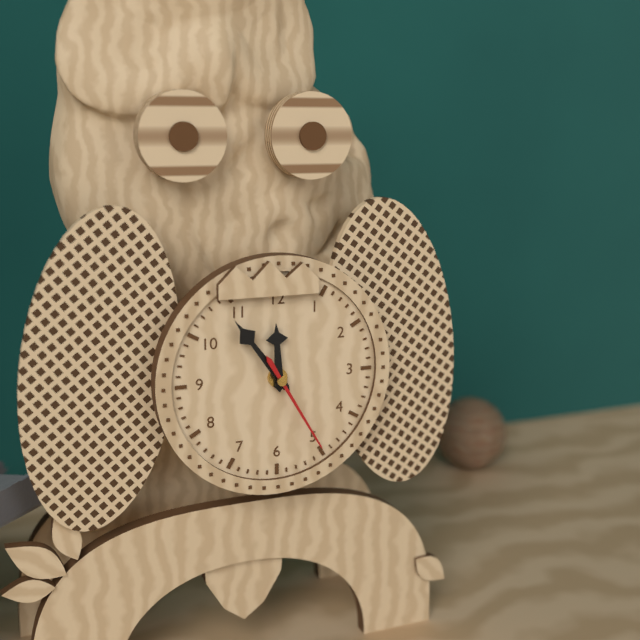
11:54:25
